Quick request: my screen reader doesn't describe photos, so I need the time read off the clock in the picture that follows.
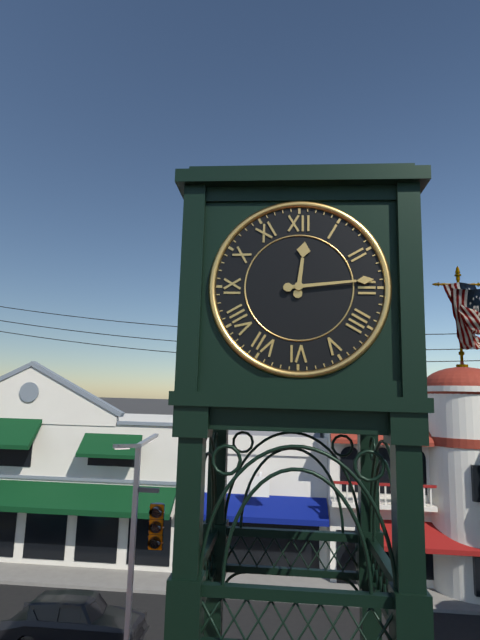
12:14
